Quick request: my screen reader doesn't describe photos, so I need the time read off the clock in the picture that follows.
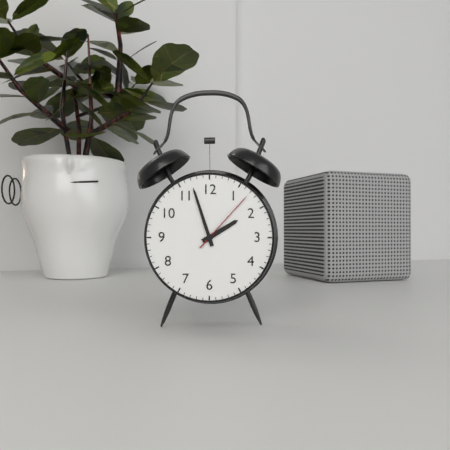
1:57:07
